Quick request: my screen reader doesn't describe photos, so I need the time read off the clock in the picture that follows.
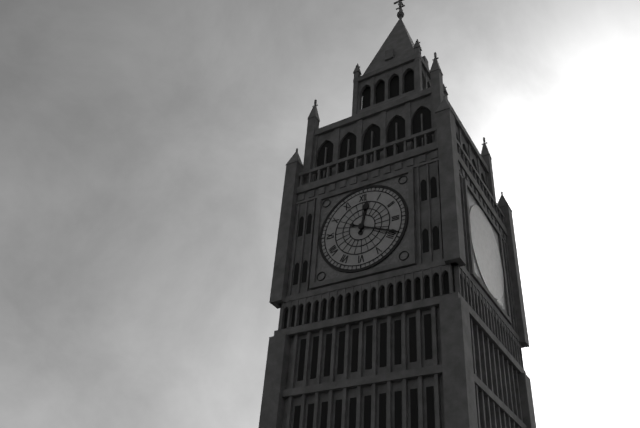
12:19
